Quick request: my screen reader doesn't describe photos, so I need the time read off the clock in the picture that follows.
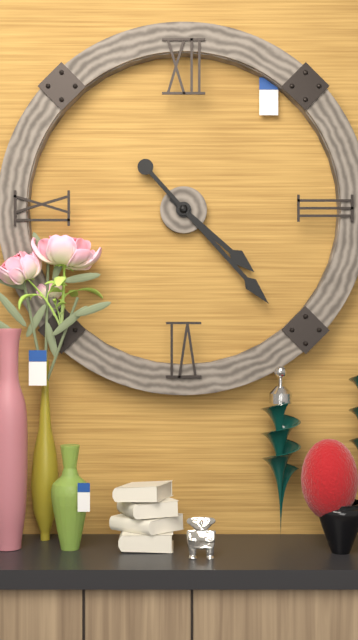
4:23
